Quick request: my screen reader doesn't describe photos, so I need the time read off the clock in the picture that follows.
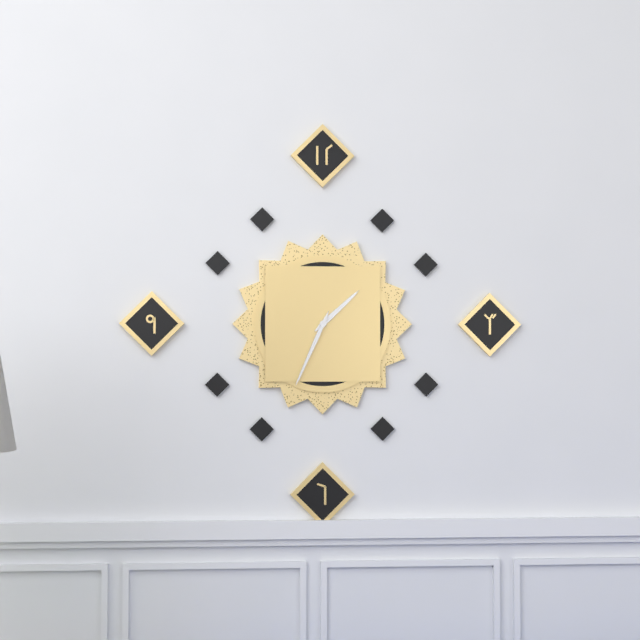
1:34
